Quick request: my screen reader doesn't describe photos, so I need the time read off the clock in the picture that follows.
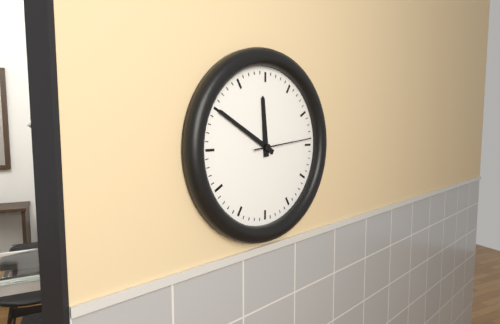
11:50:14
